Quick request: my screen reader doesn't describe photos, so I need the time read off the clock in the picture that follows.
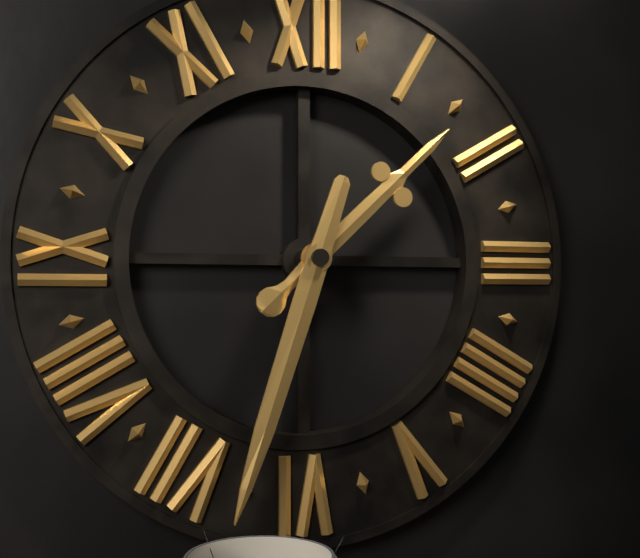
1:33
